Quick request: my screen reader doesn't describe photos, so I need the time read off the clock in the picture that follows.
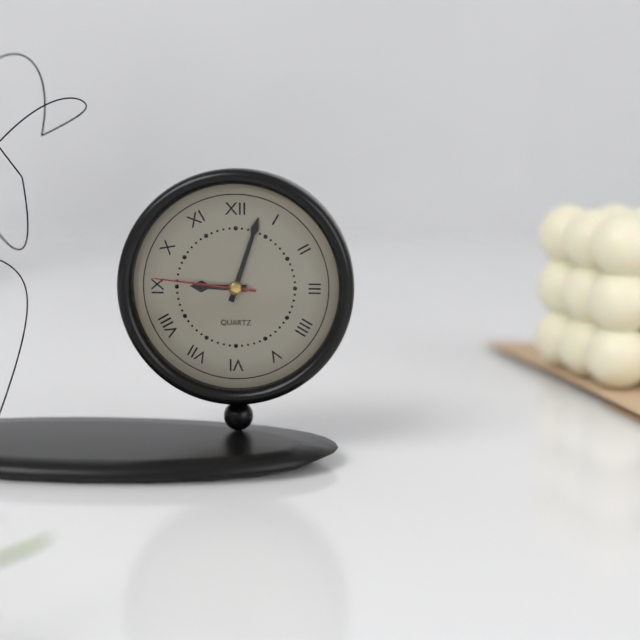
9:03:46
